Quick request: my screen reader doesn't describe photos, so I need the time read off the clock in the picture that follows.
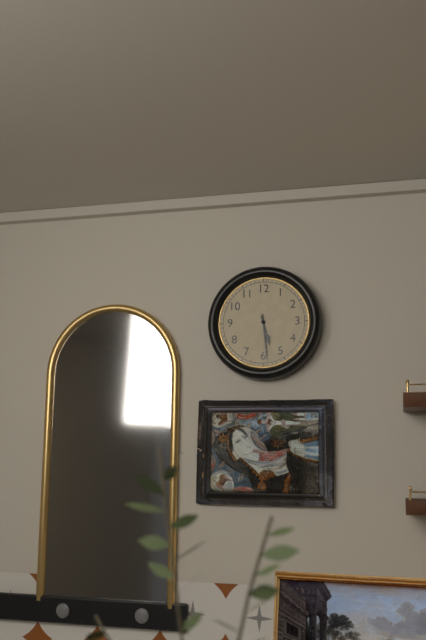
5:29
